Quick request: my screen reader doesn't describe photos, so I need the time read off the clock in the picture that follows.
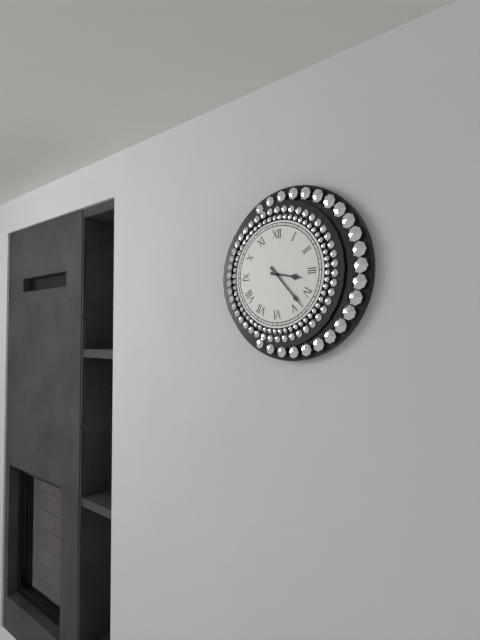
3:23
